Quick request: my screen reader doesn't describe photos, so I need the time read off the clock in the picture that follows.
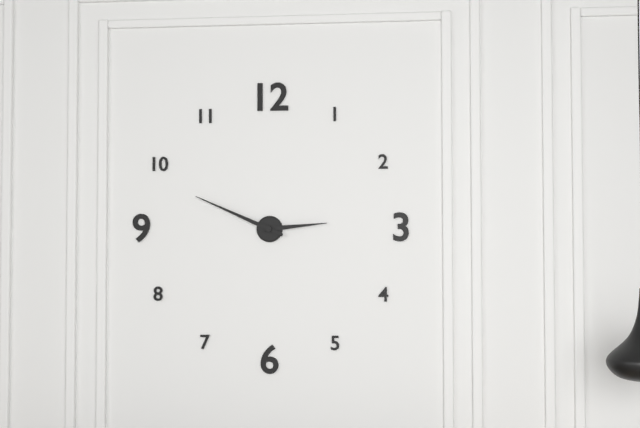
2:49
